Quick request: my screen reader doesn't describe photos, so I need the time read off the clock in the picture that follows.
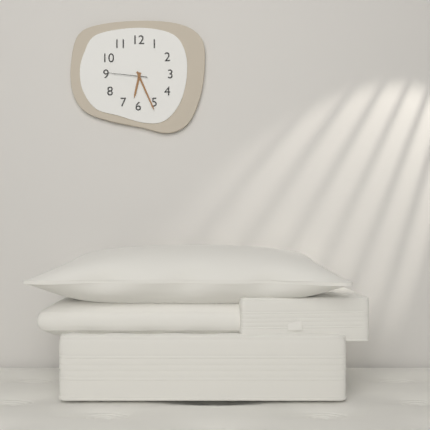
6:26
